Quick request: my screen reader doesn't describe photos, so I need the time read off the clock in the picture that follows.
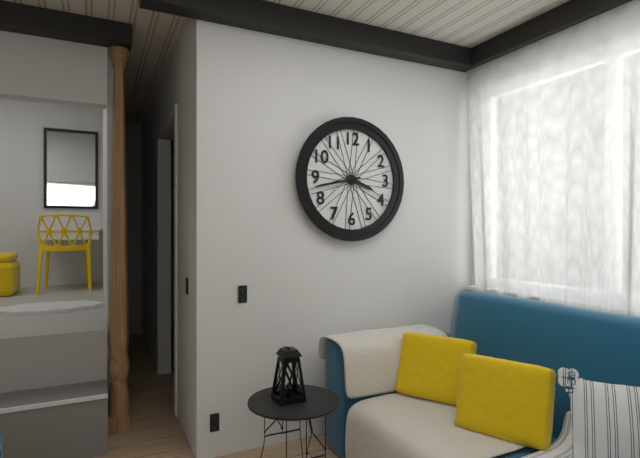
3:43
